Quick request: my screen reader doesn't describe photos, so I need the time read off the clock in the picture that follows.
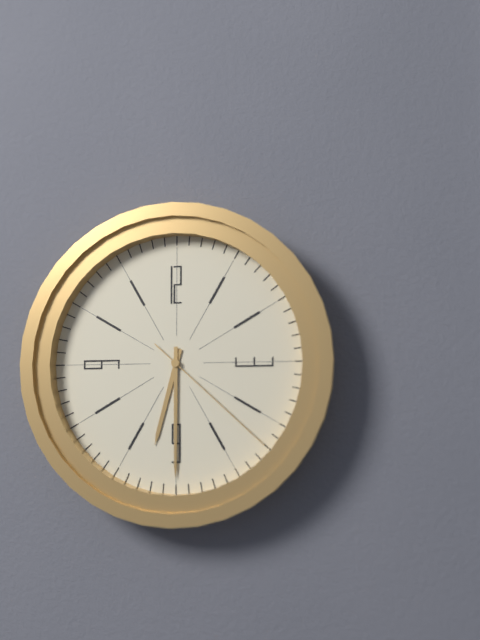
6:30:22
